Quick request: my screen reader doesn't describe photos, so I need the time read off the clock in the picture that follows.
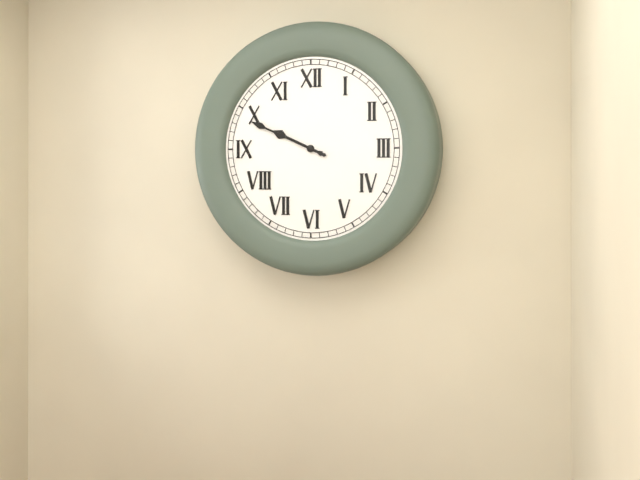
9:49
